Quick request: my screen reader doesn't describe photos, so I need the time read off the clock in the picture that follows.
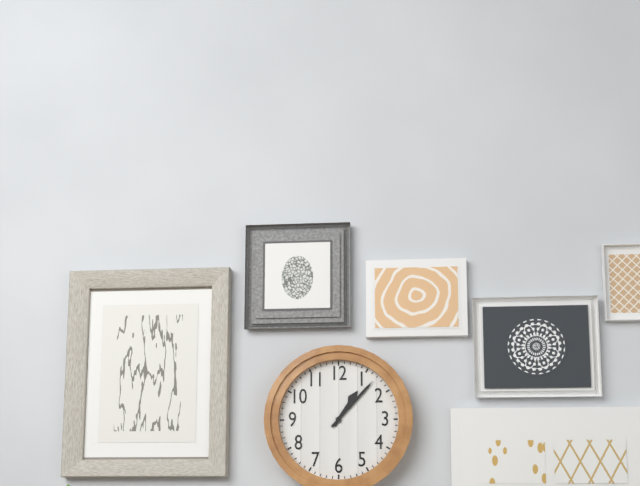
1:07
